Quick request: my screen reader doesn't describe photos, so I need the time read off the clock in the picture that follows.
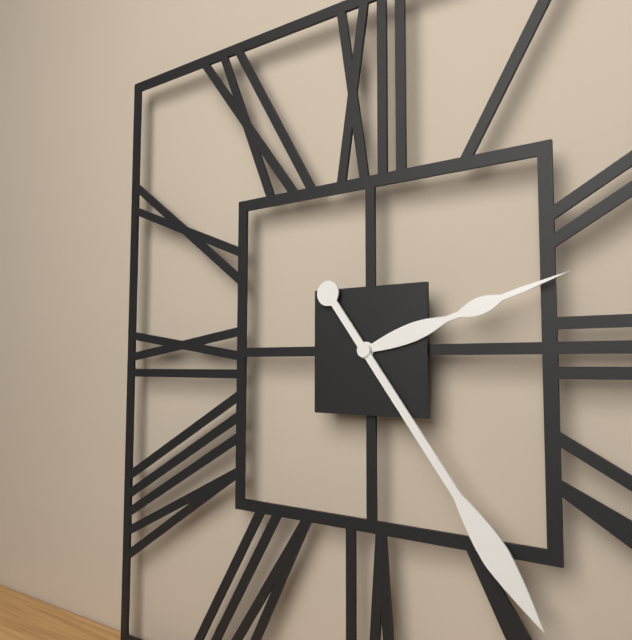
2:24
